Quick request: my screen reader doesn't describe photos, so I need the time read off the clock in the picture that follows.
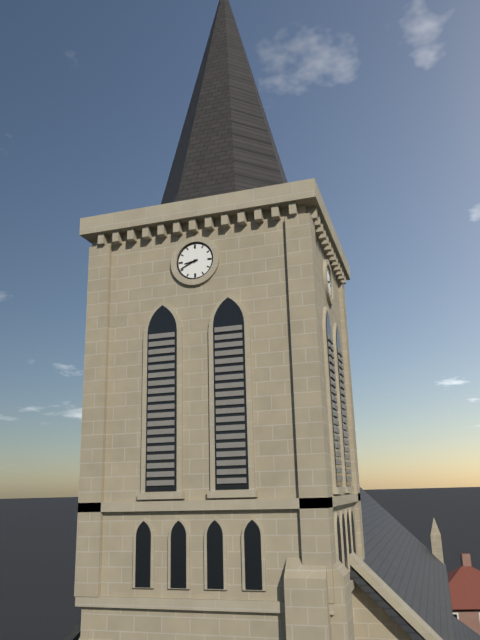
8:41
